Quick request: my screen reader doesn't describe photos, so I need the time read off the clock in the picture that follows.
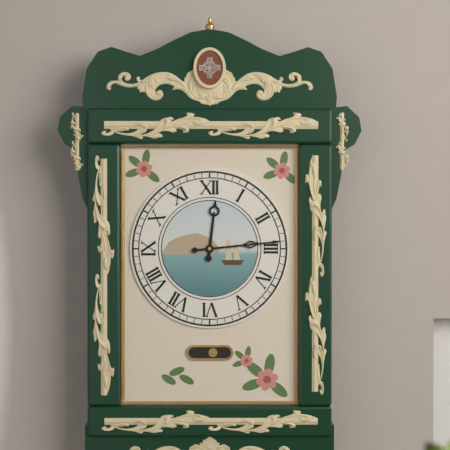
12:14
